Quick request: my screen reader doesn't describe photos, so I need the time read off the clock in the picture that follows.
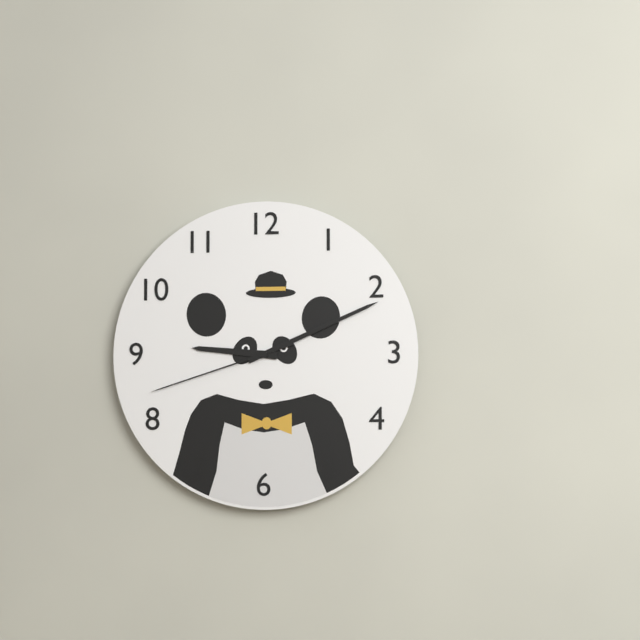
9:11:42
